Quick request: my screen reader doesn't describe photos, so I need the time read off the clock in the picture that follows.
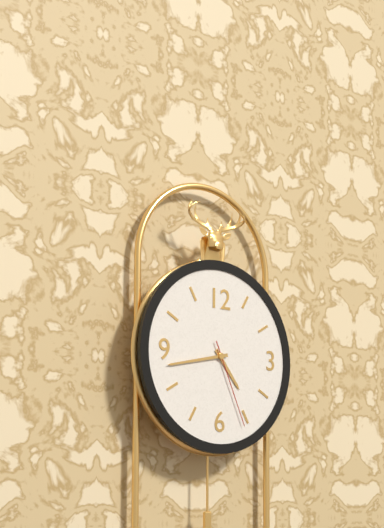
4:43:26
